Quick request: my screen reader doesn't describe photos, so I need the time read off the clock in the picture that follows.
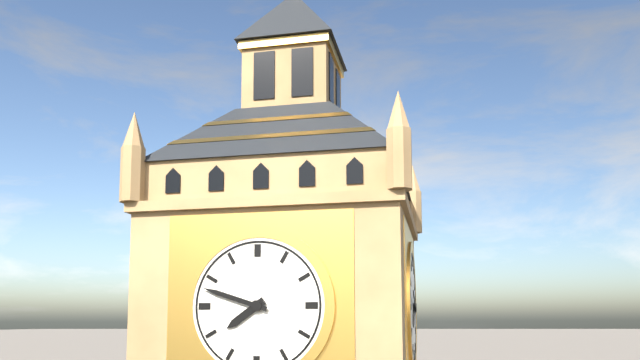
7:48
